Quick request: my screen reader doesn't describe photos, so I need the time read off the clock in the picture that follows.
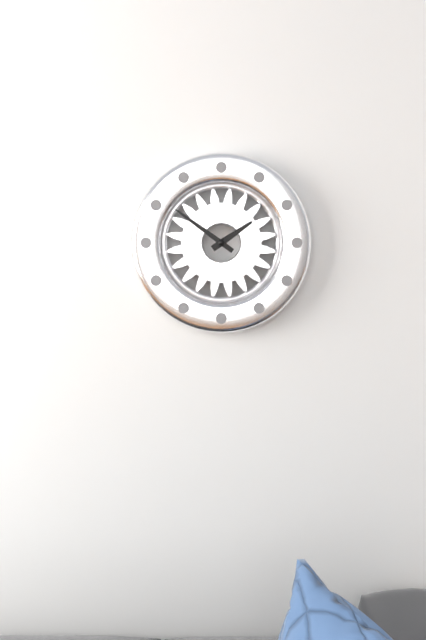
1:51
